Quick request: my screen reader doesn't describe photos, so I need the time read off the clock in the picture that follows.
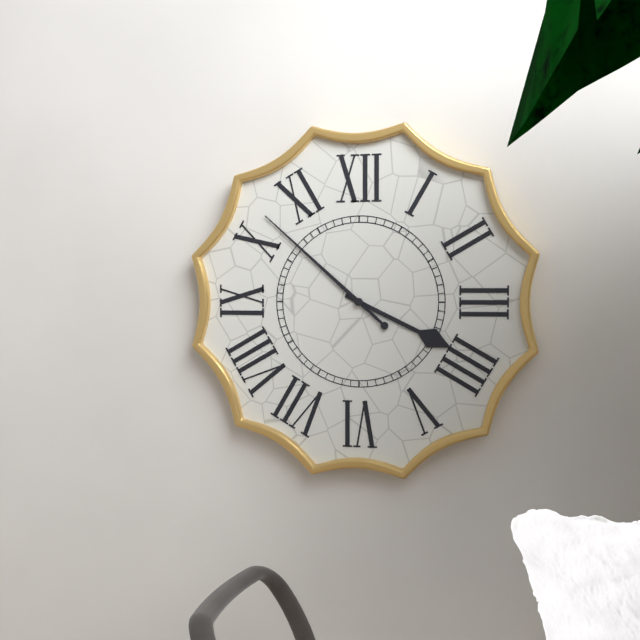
3:52
